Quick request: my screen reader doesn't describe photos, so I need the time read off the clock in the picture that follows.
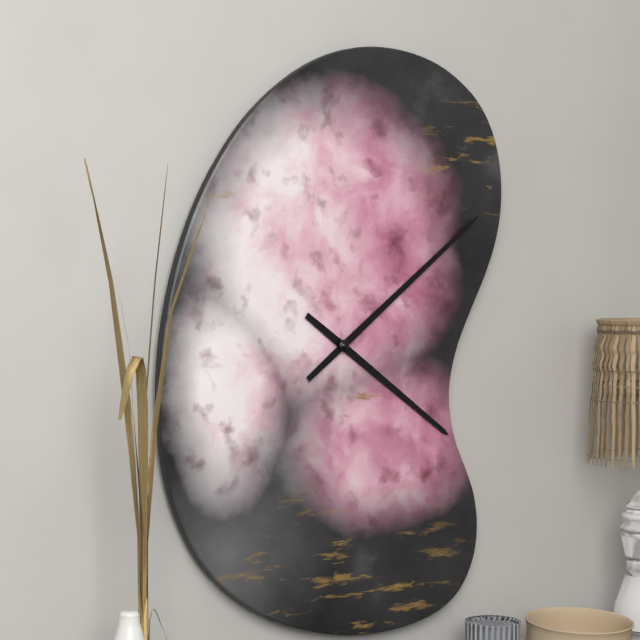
4:09
